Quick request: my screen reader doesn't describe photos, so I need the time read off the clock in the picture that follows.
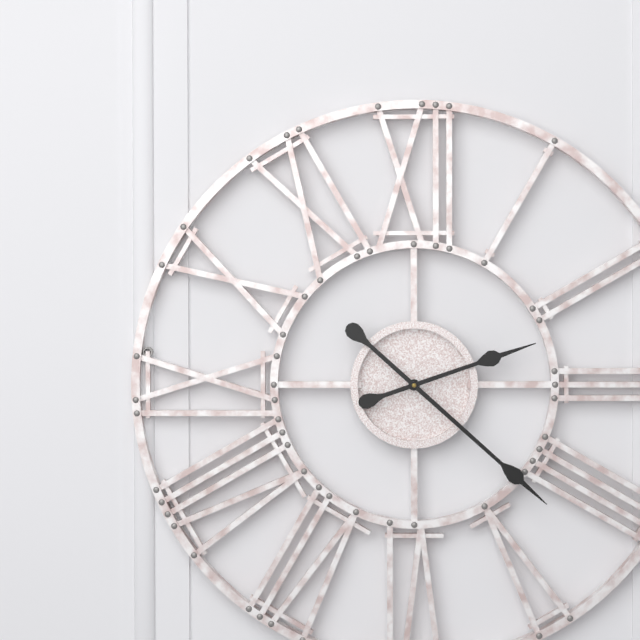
2:22
